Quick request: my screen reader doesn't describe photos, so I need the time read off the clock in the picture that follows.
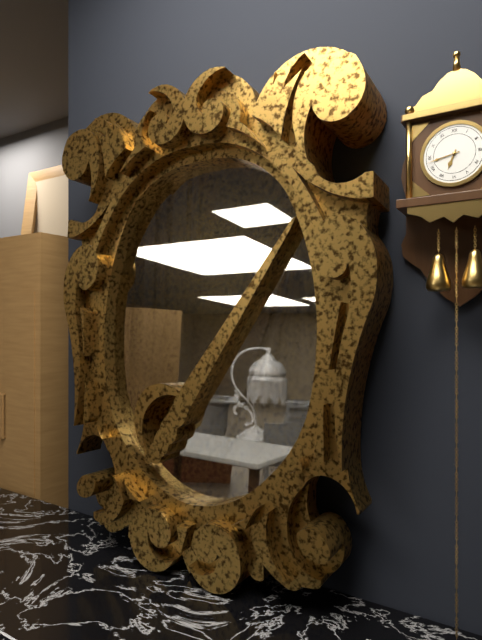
6:43
